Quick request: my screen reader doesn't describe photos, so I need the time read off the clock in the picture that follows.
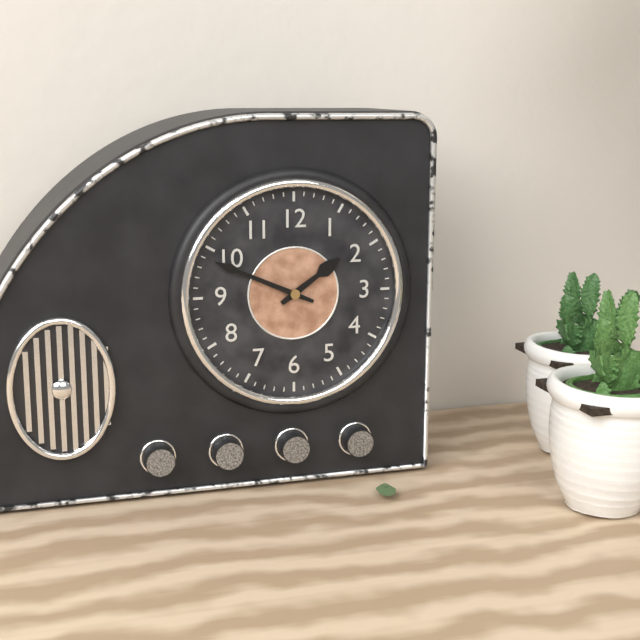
1:49
